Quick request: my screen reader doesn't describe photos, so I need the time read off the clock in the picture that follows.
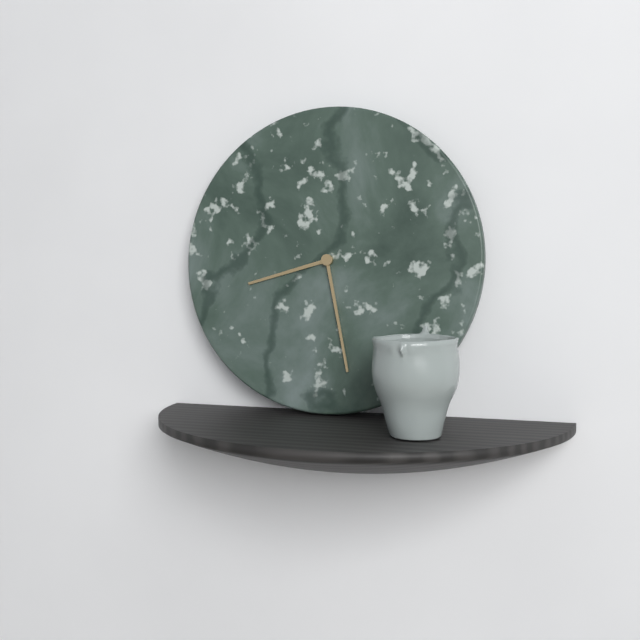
8:28
